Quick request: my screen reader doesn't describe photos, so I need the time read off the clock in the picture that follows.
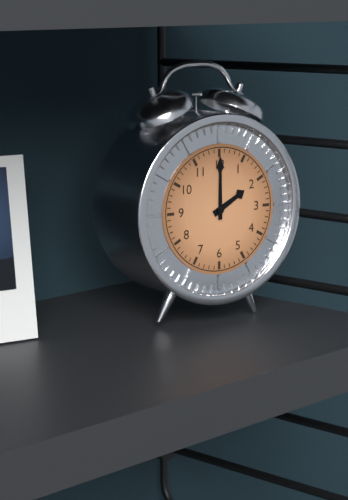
2:00
